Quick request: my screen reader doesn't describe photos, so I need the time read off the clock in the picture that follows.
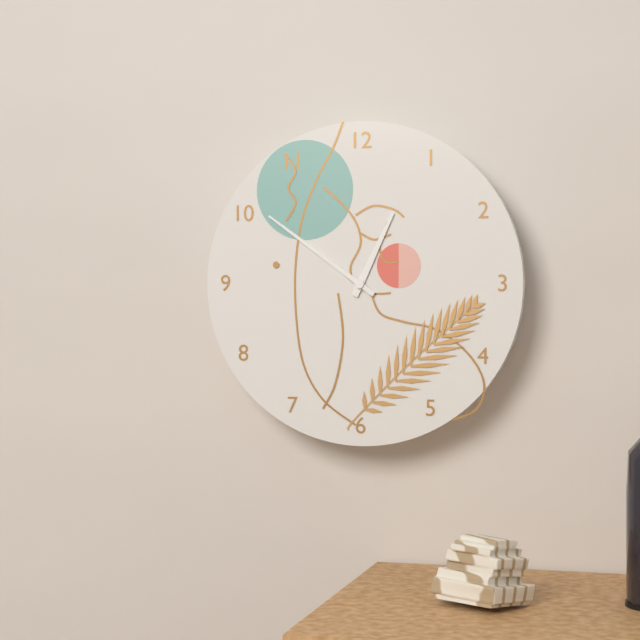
12:51
